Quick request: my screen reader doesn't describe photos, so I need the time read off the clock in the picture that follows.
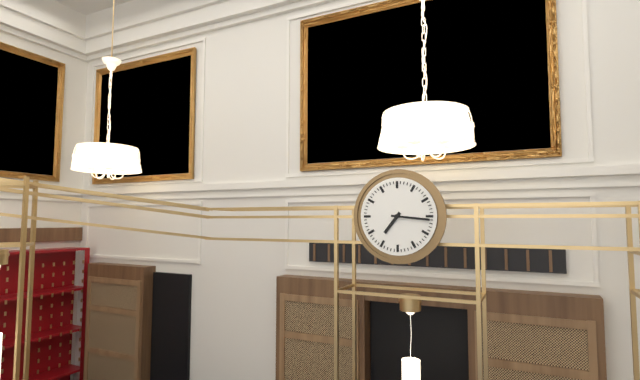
7:16
